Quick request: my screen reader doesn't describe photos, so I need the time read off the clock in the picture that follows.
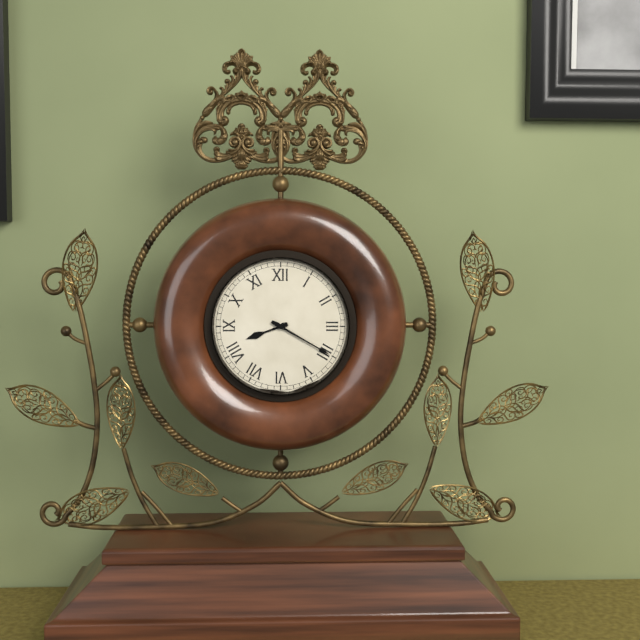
8:20
